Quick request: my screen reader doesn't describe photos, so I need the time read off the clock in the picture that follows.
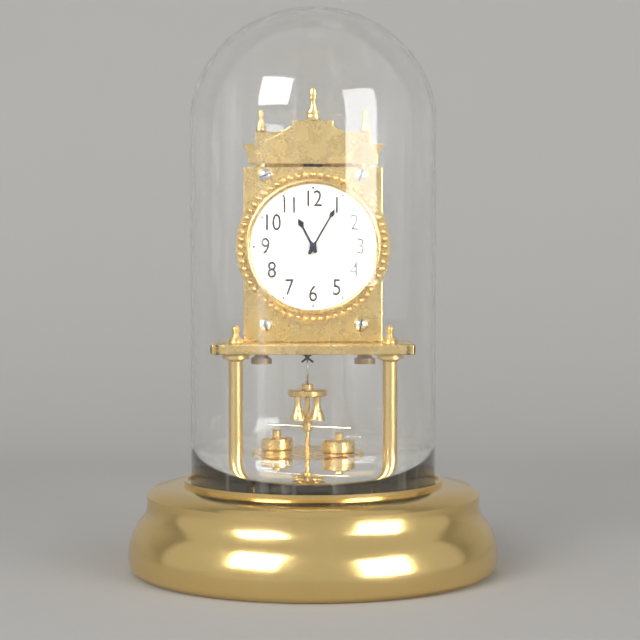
11:05
